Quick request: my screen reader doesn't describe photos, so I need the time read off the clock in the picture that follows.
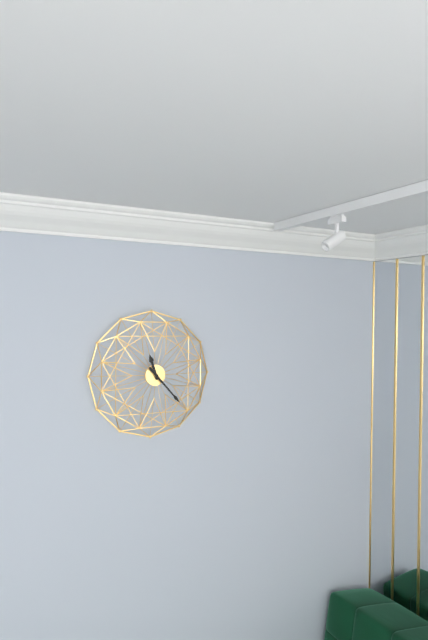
11:23
